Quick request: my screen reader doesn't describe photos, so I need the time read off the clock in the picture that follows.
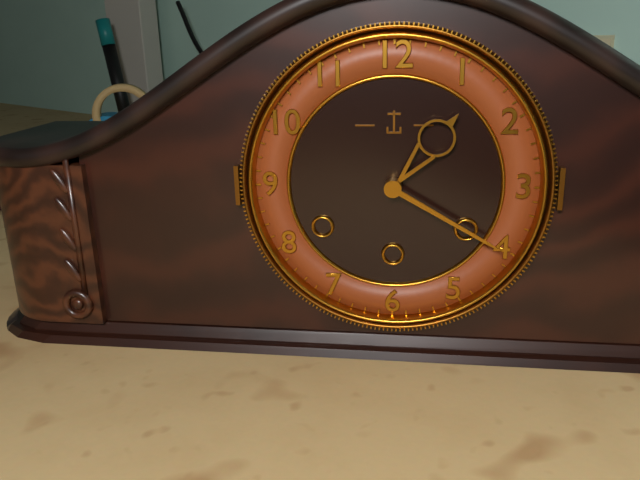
1:20
